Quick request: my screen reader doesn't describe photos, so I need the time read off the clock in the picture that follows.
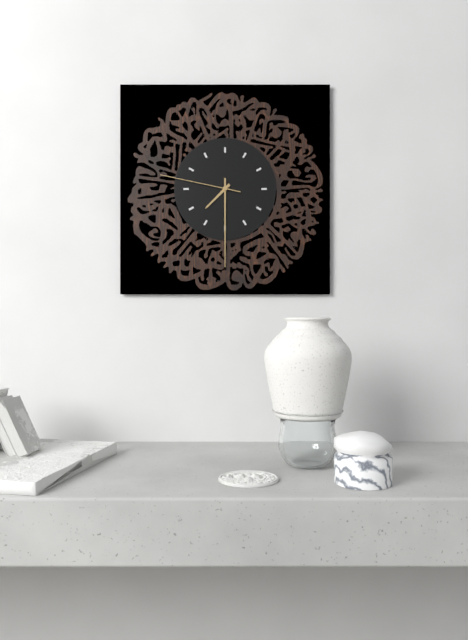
7:30:47
